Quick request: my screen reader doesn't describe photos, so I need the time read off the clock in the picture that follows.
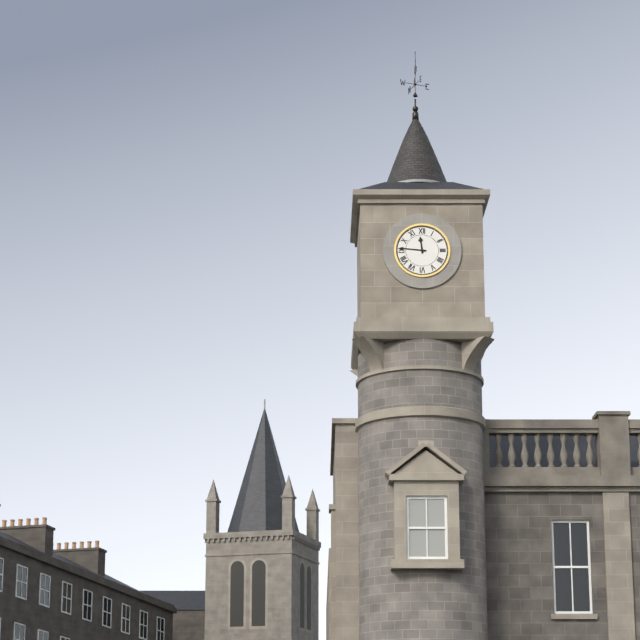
11:46
